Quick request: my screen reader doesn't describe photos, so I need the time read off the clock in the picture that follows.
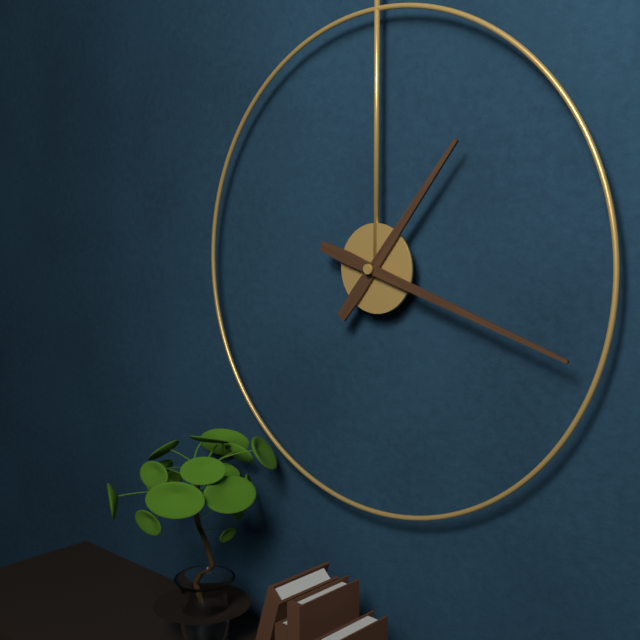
1:18
